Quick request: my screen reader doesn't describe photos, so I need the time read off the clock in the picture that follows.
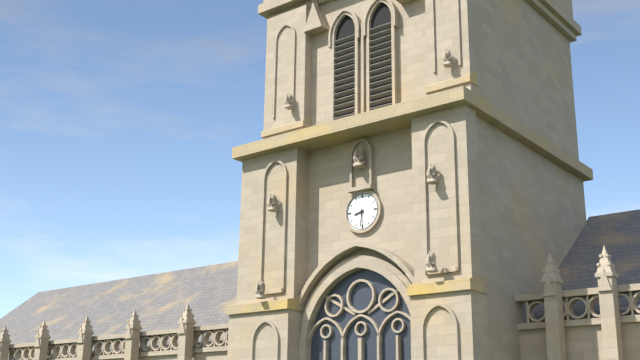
8:31
